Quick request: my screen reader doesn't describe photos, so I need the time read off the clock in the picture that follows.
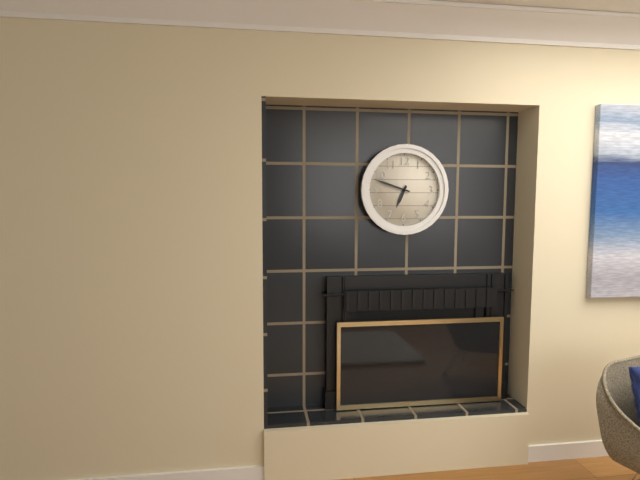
6:48
